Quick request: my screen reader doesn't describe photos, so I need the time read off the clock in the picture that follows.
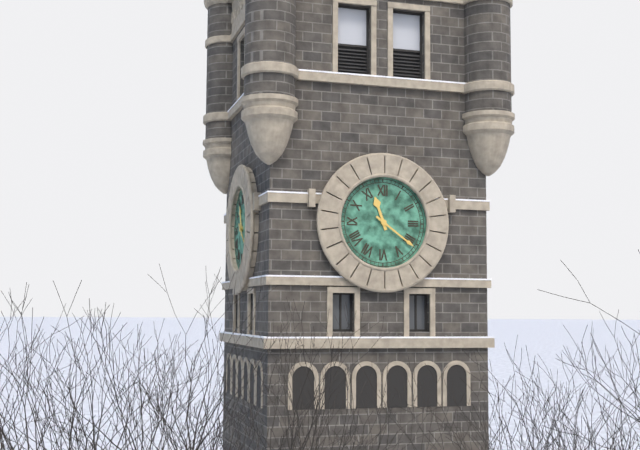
11:21
